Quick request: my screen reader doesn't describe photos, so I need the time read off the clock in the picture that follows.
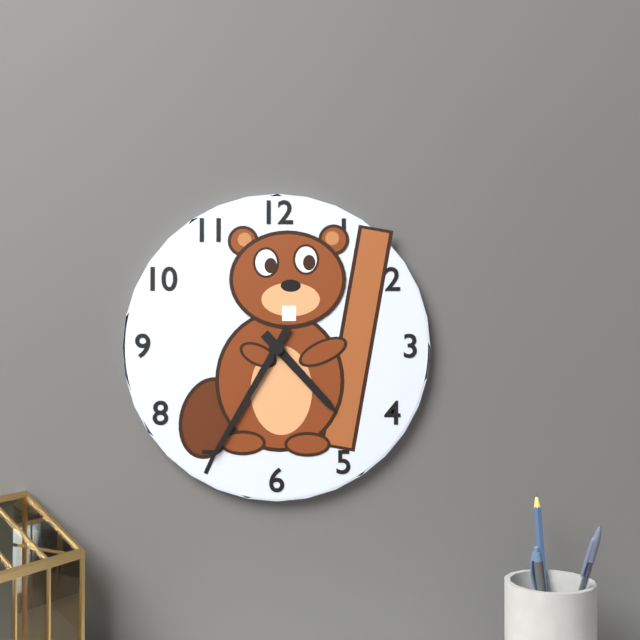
4:35
